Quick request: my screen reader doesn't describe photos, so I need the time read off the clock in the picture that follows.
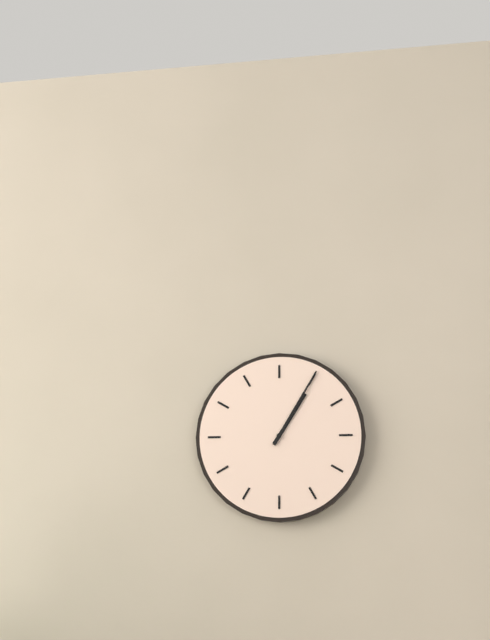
1:05
